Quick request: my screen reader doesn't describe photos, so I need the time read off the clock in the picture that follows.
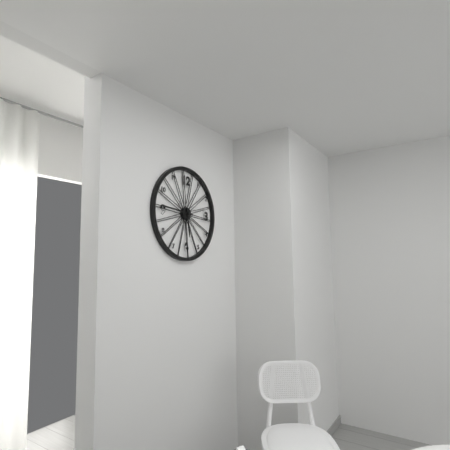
5:46
